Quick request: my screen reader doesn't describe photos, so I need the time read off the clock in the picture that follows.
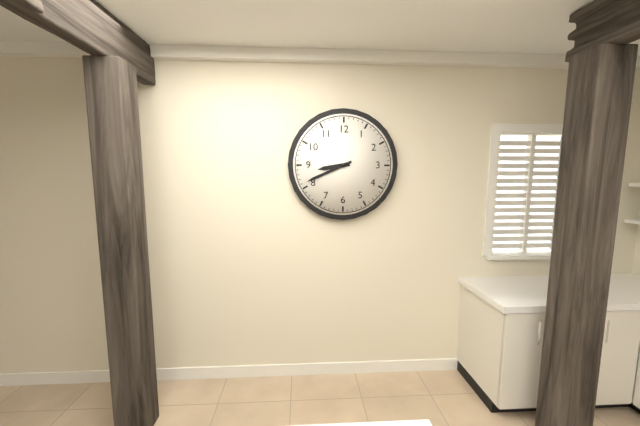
8:41
